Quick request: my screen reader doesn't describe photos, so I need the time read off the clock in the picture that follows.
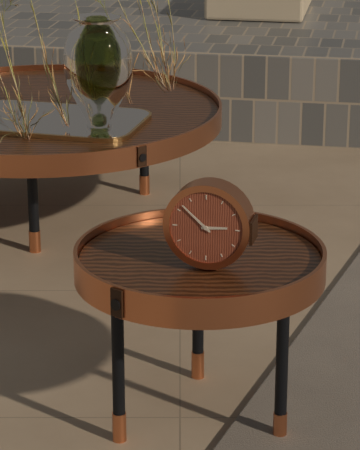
2:52
